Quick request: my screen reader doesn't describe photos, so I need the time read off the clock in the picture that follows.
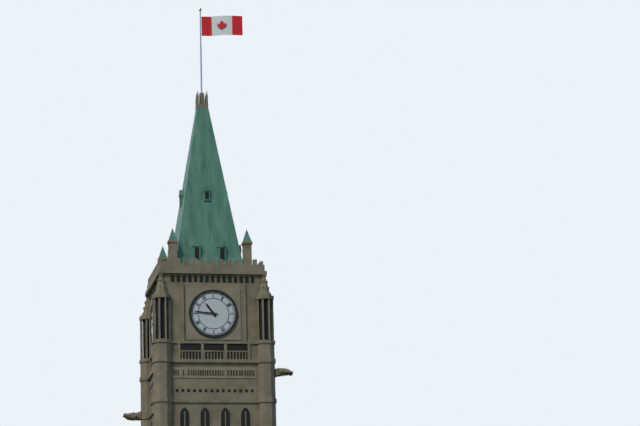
10:46
